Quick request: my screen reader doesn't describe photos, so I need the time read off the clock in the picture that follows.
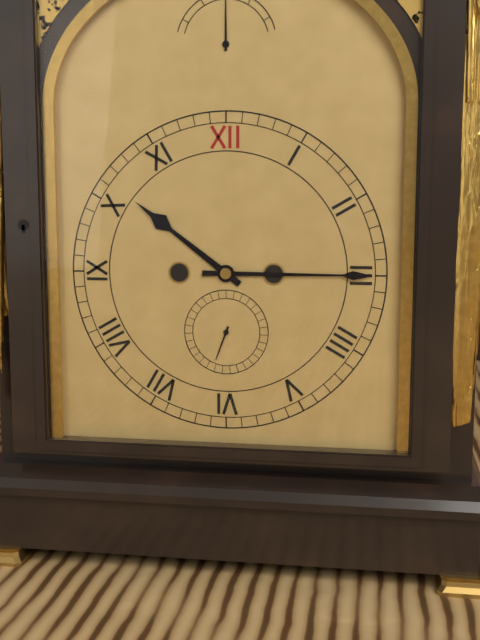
10:15
